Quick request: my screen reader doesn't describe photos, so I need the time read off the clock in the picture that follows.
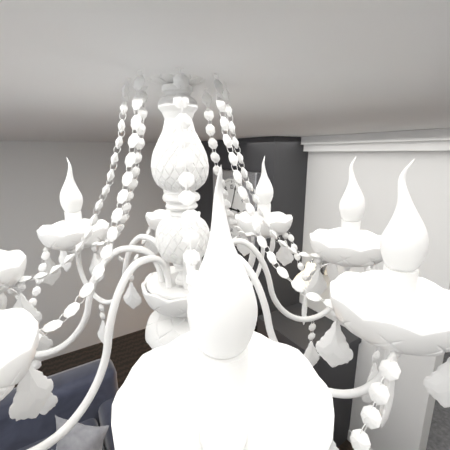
3:03
